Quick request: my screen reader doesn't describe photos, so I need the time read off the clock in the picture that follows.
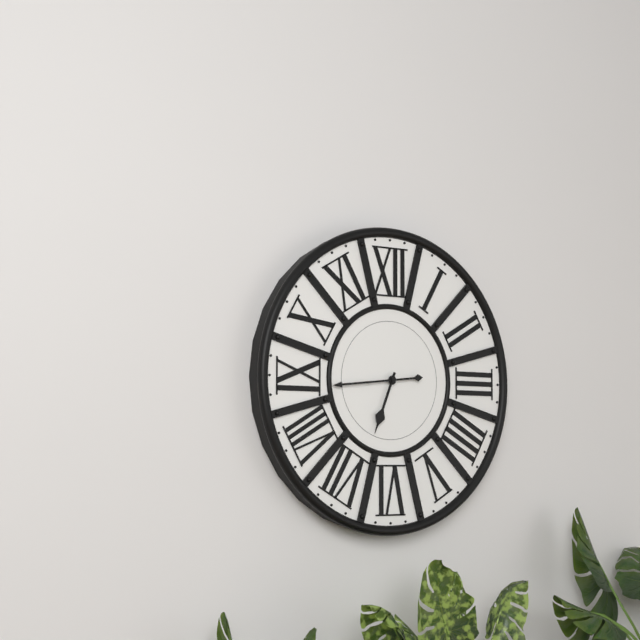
6:44
